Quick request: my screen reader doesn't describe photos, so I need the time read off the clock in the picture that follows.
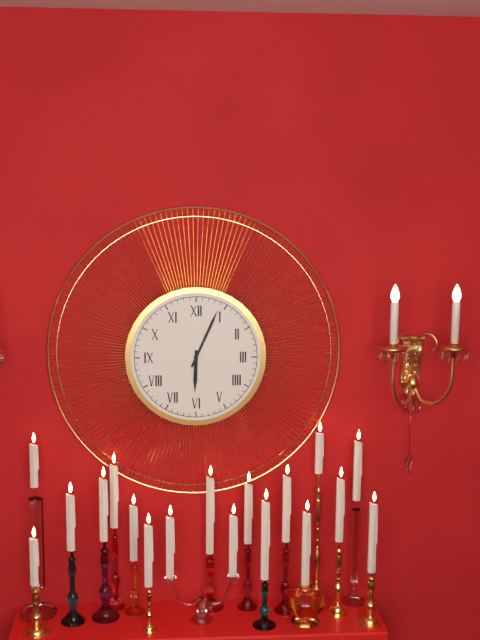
6:04
